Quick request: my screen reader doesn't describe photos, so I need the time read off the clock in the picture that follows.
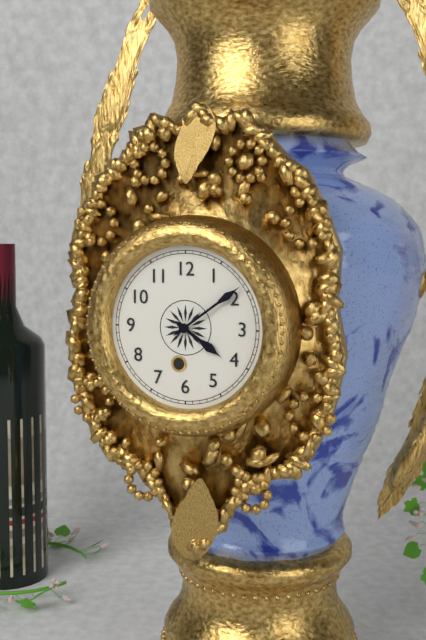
4:09
